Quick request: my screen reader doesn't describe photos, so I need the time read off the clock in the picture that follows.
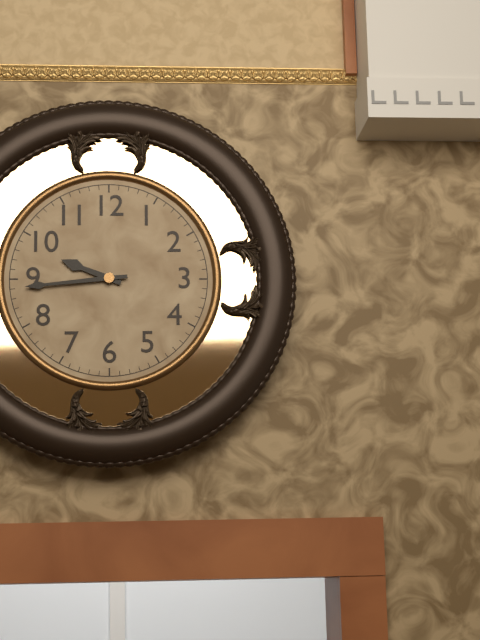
9:44
